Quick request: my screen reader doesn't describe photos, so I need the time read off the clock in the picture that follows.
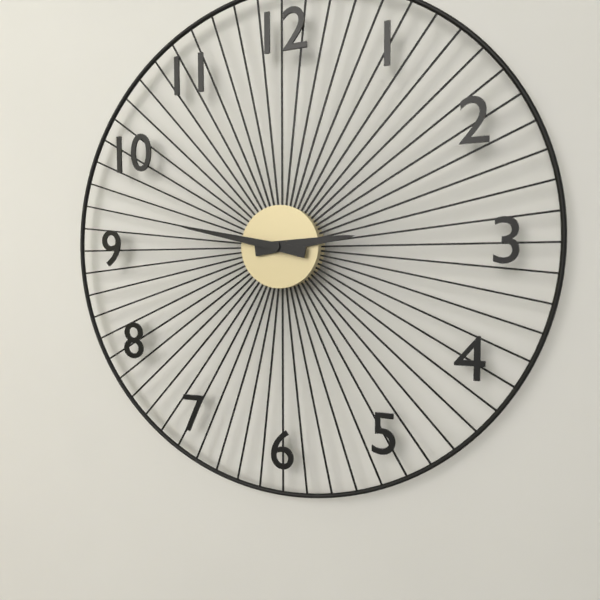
2:47
